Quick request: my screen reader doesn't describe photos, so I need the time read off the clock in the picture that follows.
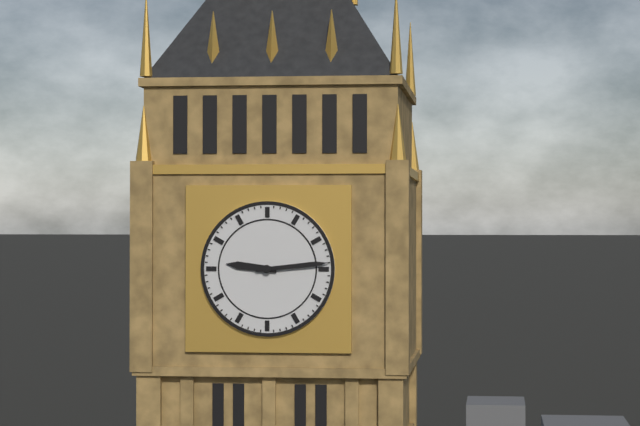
9:14
